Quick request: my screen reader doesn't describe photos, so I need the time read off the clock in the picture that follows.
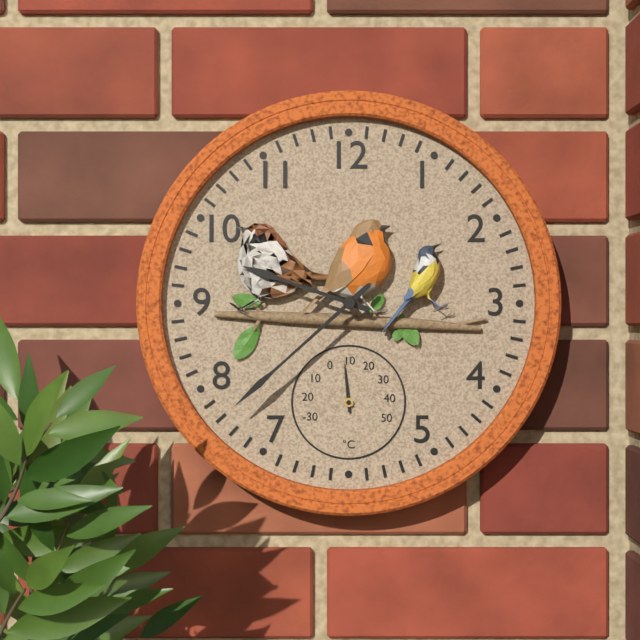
9:38
